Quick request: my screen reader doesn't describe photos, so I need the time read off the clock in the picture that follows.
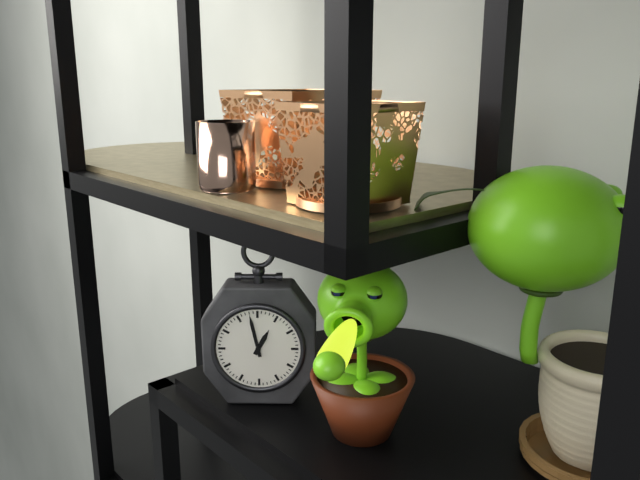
12:58
